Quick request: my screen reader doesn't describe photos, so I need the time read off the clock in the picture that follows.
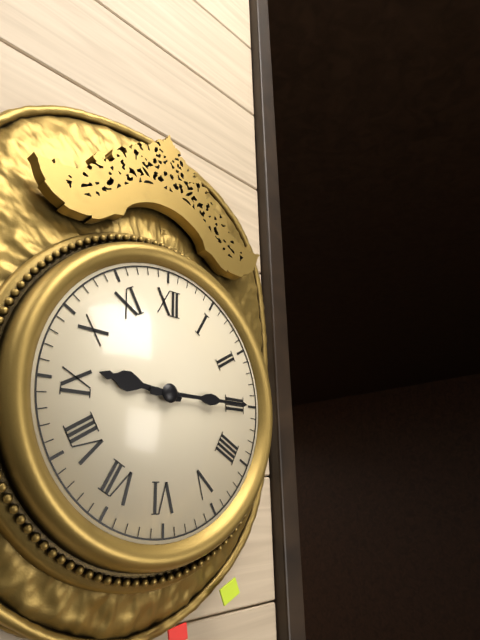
9:15
